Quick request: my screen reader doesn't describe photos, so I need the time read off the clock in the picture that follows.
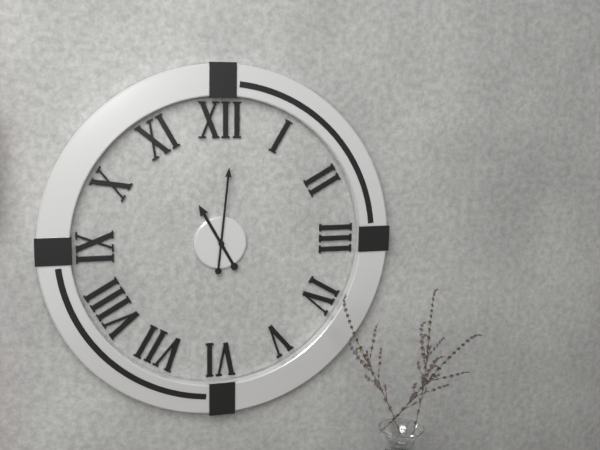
11:01
